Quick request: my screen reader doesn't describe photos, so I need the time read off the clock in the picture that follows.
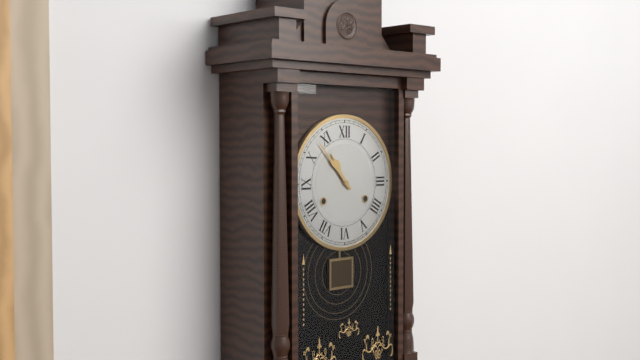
10:53
